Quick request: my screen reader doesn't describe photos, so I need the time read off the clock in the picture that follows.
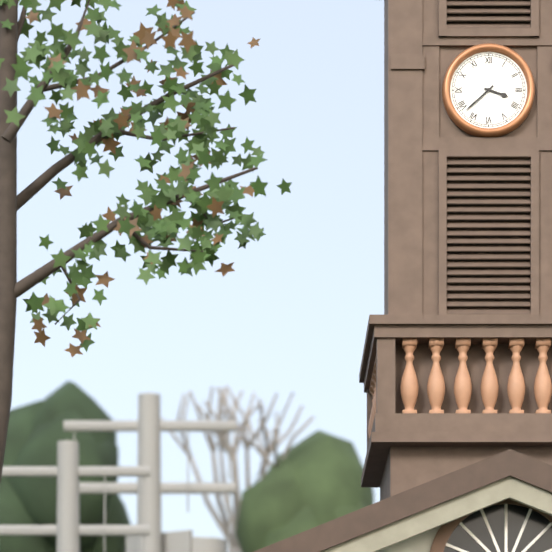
3:38
